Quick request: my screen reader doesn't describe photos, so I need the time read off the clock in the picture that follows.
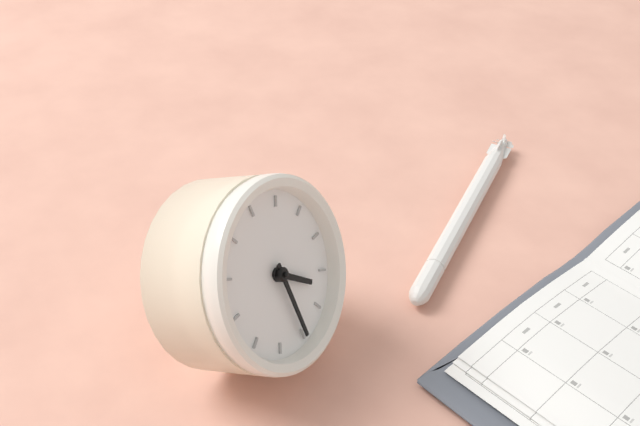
3:25
